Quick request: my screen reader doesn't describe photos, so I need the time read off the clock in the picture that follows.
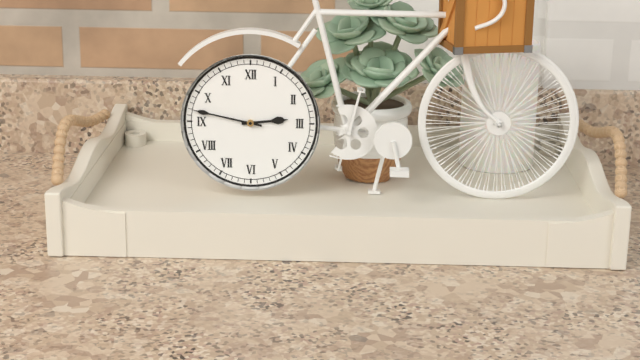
2:47
